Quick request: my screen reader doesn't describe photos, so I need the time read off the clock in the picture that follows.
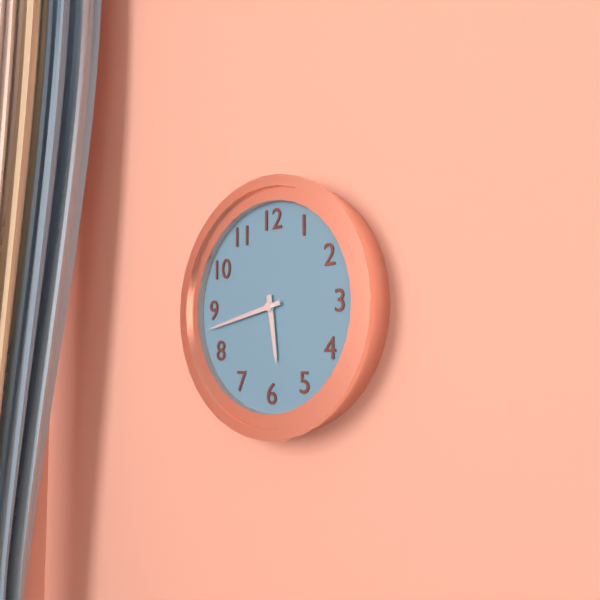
5:43
